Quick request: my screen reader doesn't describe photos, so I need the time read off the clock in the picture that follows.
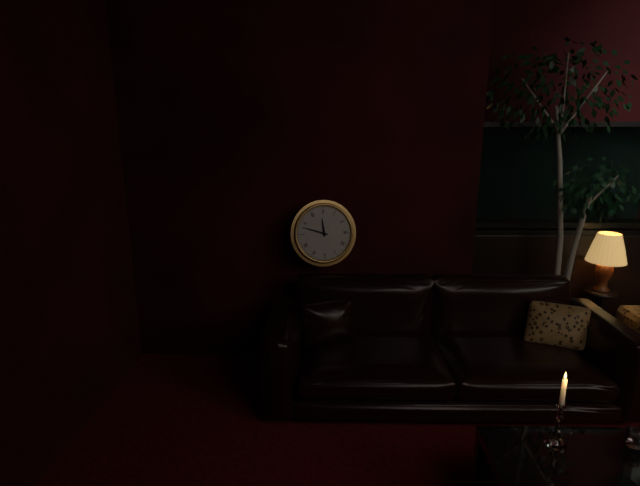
11:48
